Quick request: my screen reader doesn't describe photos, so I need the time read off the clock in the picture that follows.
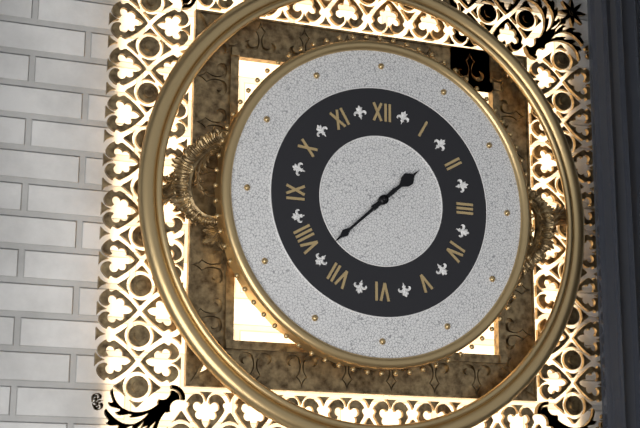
1:38
